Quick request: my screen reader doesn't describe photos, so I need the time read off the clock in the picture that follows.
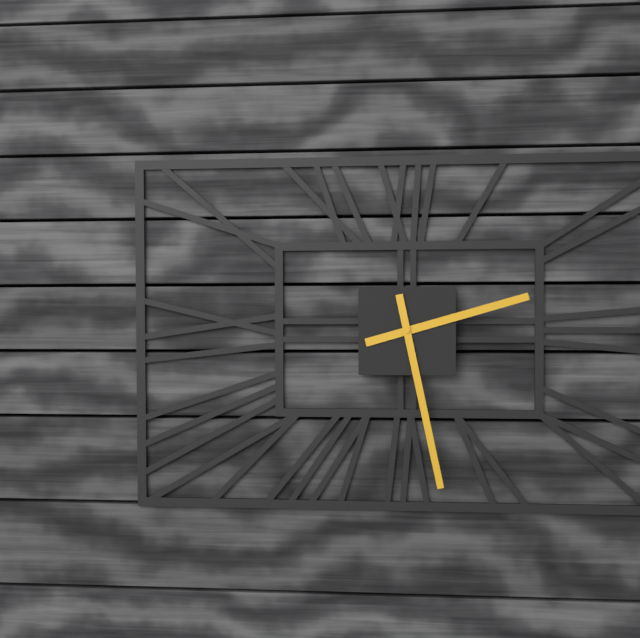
2:28
